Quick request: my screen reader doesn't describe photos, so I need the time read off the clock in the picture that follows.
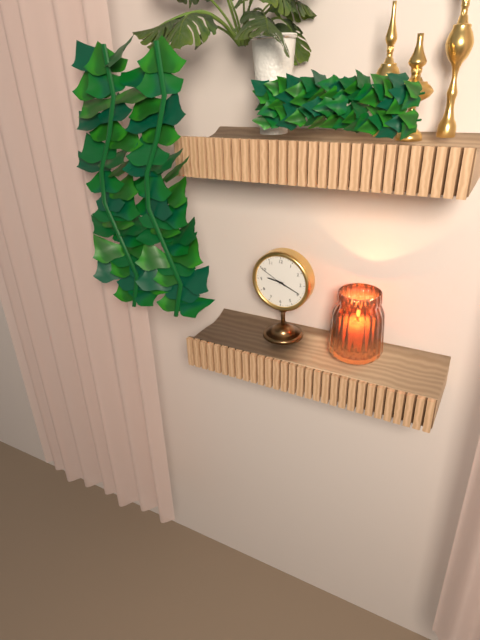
9:19
